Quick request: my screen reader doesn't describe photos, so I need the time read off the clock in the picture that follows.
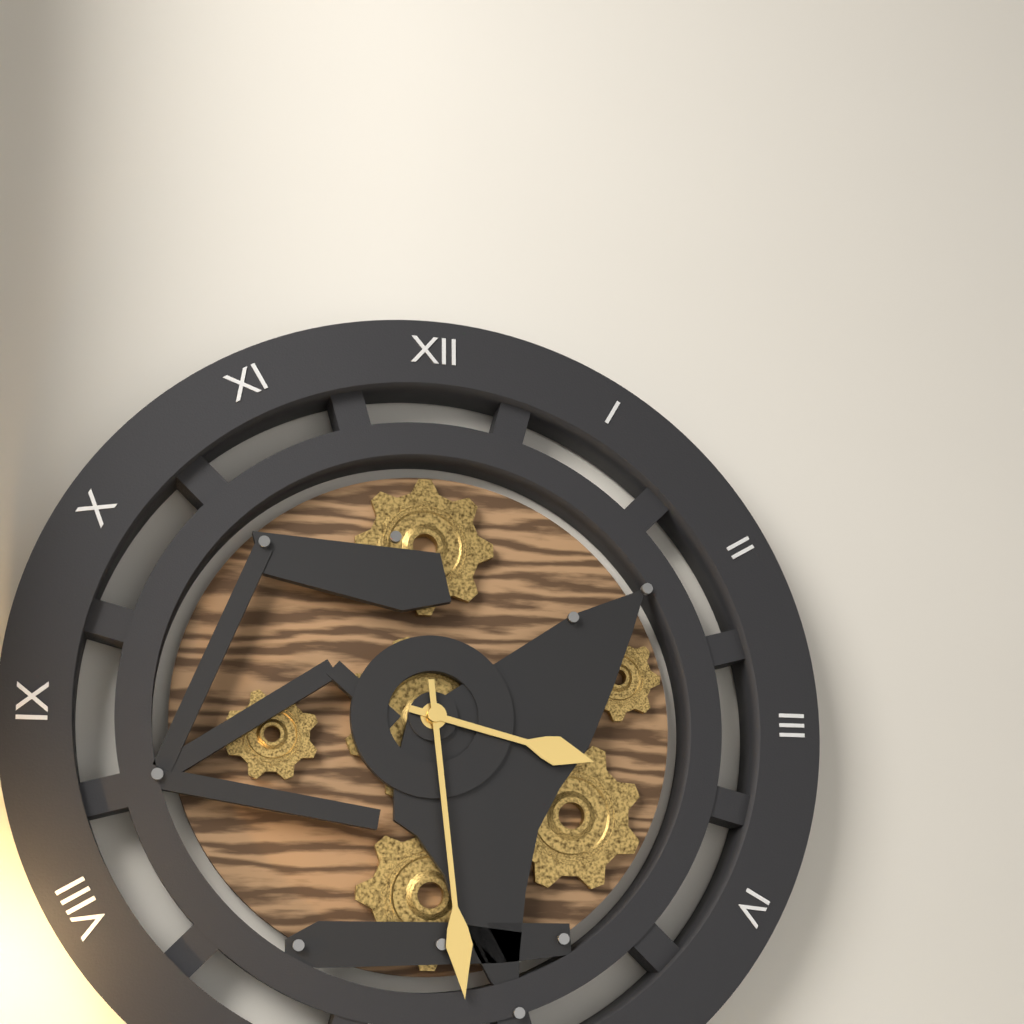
3:29
